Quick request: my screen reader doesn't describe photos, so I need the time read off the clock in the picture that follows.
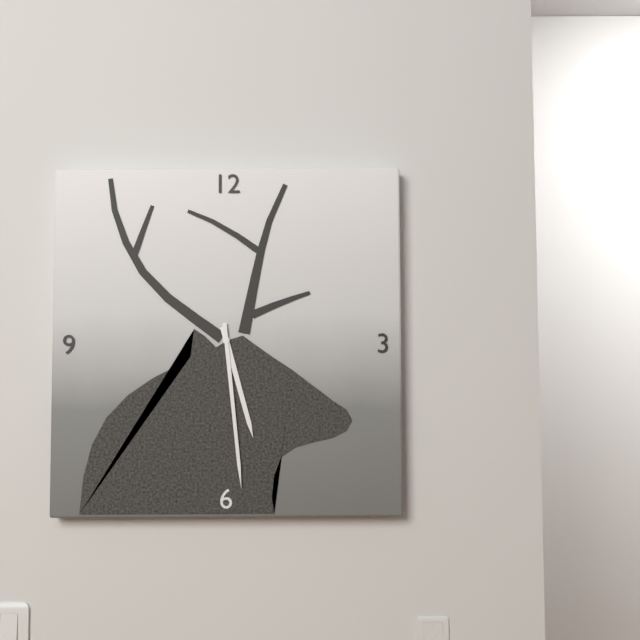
5:29
